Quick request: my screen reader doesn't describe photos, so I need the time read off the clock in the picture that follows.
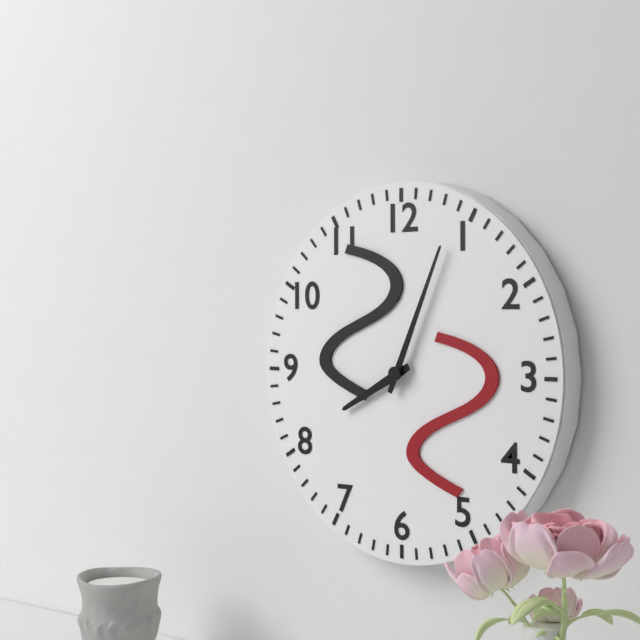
8:04
